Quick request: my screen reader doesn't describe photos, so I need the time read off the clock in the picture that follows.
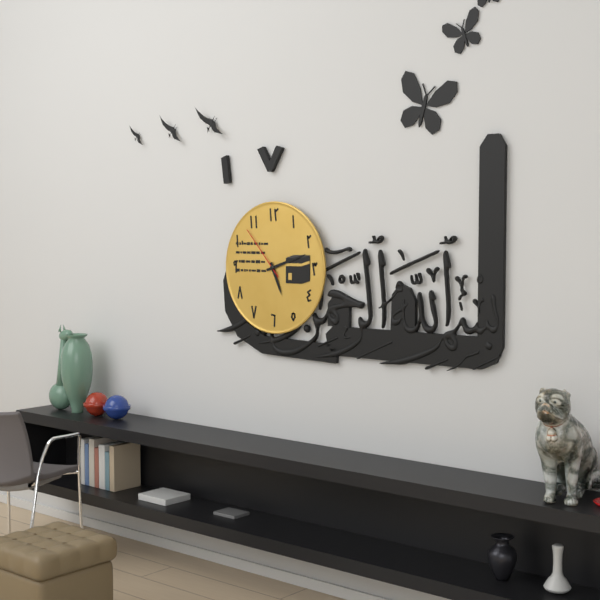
5:12:53
